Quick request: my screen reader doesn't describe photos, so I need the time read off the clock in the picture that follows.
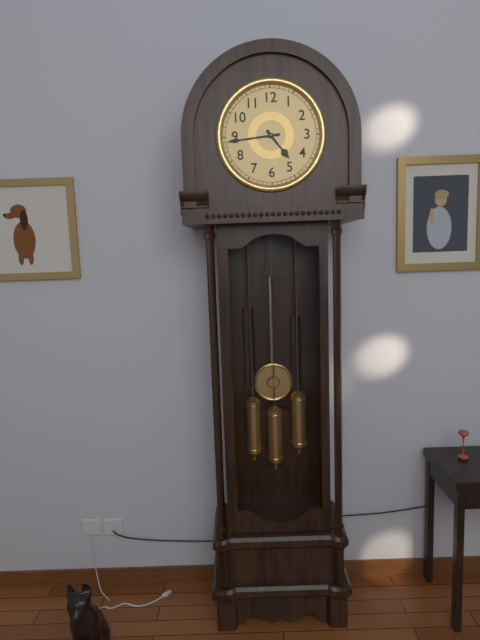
4:44
